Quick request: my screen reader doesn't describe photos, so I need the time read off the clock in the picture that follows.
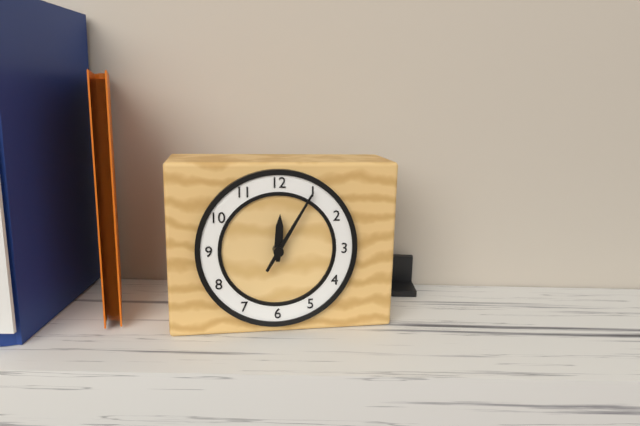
12:05
